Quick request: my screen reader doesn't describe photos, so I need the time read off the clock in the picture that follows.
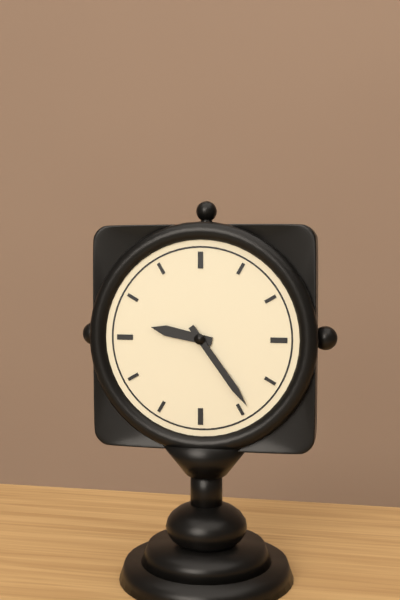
9:24
